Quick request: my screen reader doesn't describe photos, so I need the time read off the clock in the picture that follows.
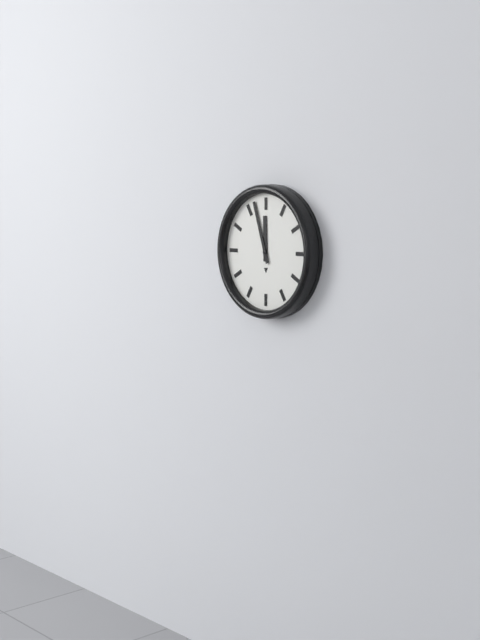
11:57
